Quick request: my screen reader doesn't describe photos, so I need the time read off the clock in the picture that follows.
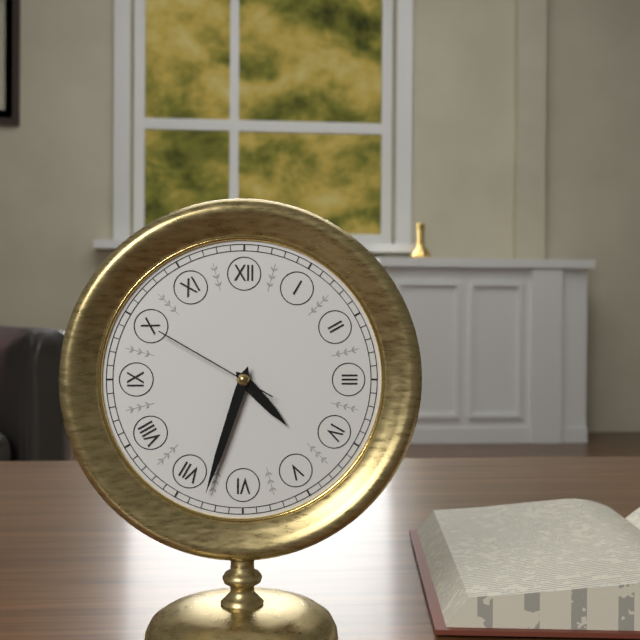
4:33:50
